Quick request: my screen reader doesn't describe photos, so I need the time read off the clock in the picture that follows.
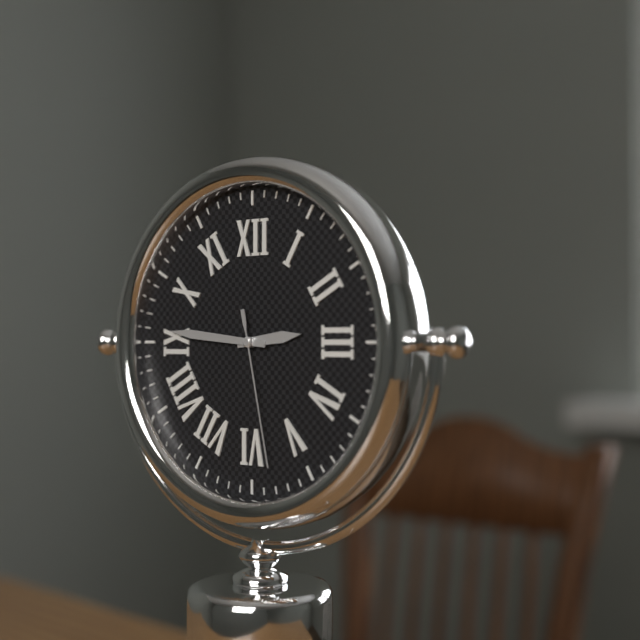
2:46:28
